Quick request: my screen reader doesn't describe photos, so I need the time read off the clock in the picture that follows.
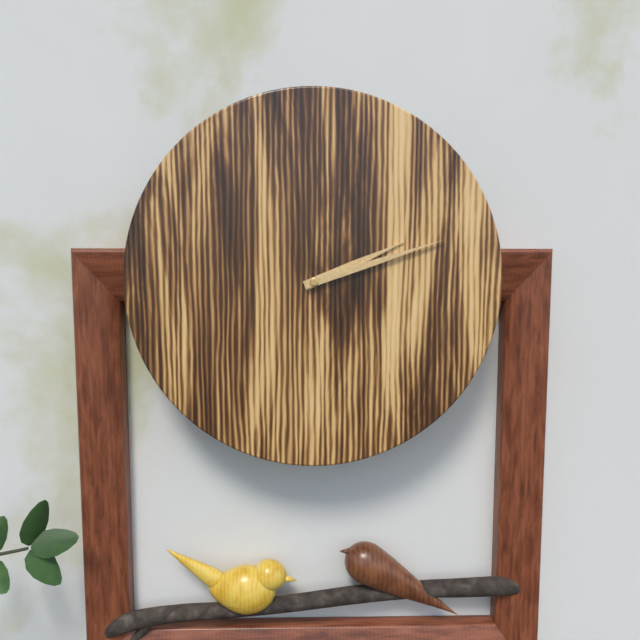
2:12
